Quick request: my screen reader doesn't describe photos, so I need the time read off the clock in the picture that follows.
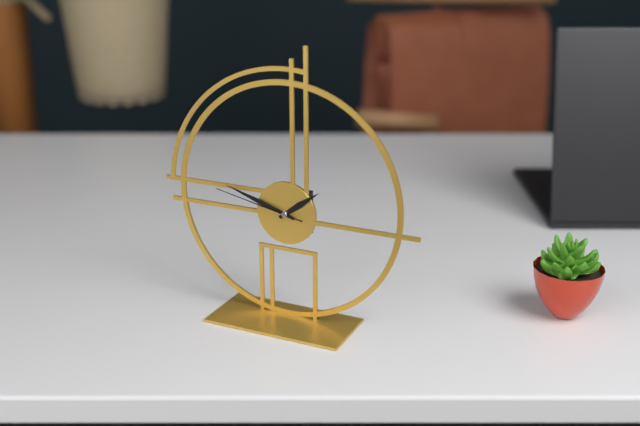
1:48:47
